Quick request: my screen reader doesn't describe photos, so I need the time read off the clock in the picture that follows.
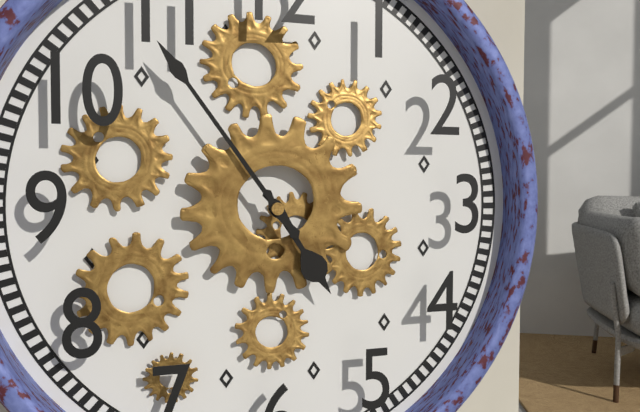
4:54
